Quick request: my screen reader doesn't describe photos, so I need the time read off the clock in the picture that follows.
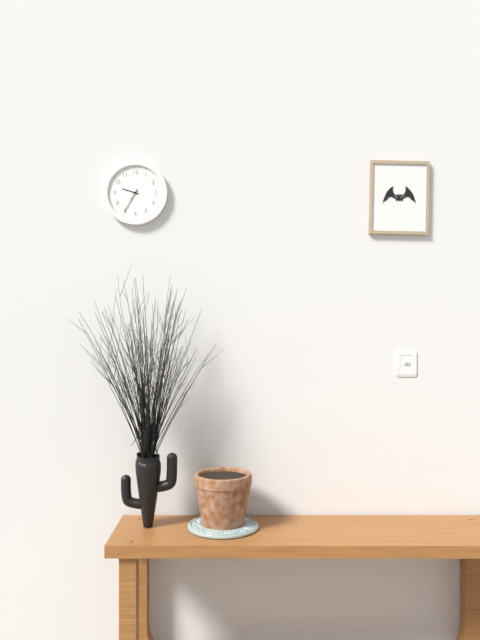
9:35
